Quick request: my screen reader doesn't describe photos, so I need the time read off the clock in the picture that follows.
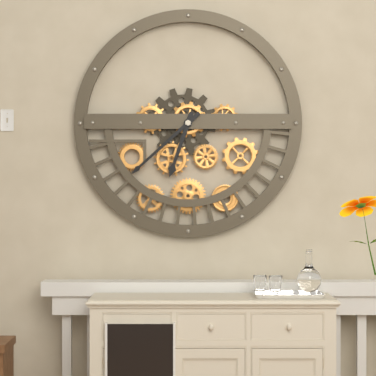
6:38
